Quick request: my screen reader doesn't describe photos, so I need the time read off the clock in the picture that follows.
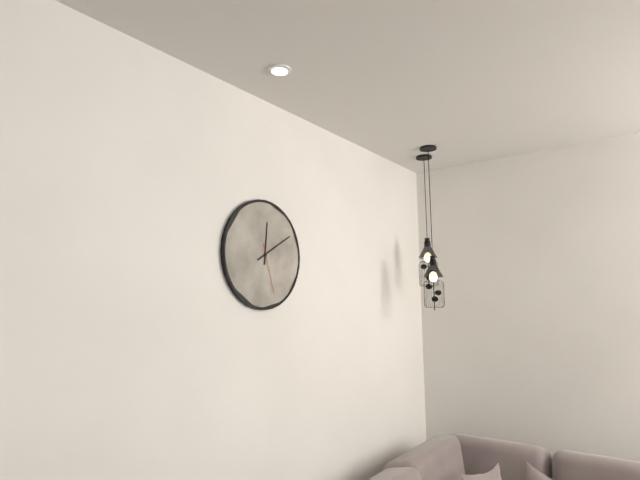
12:10
